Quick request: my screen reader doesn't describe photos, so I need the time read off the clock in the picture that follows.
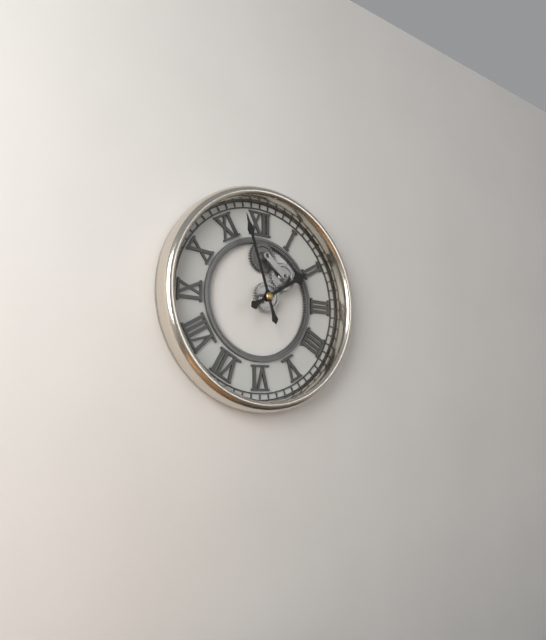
1:57
